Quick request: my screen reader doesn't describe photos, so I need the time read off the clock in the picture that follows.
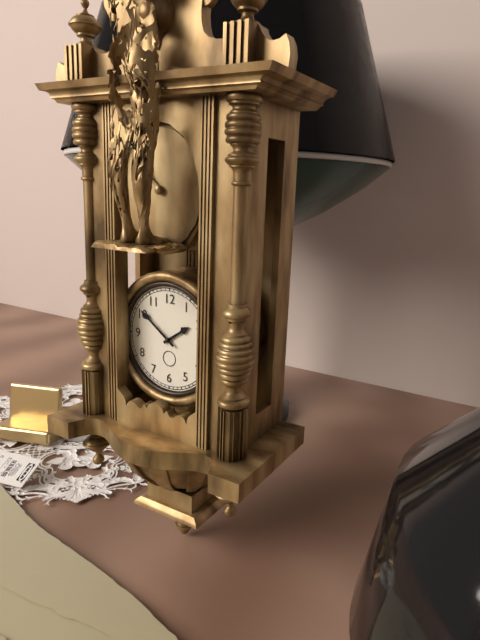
1:51
